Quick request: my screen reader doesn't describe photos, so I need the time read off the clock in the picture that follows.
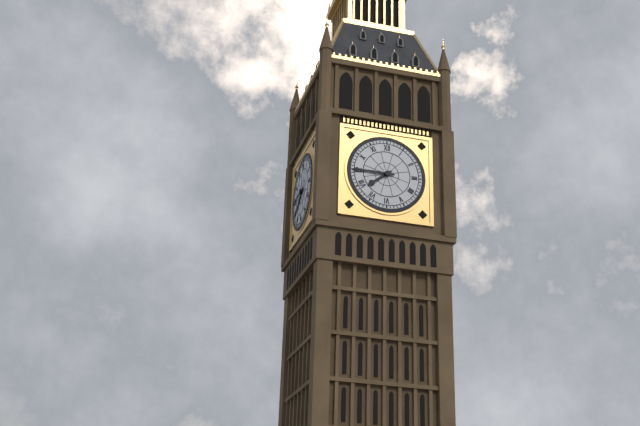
7:45
